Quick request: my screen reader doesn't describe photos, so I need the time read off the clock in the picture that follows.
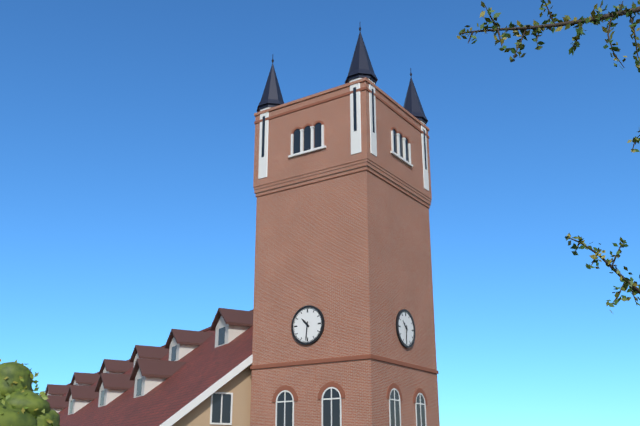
10:31
